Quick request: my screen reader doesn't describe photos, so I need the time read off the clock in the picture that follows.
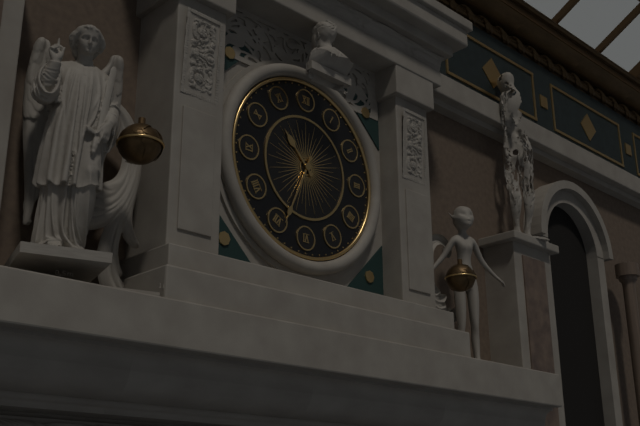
10:34
